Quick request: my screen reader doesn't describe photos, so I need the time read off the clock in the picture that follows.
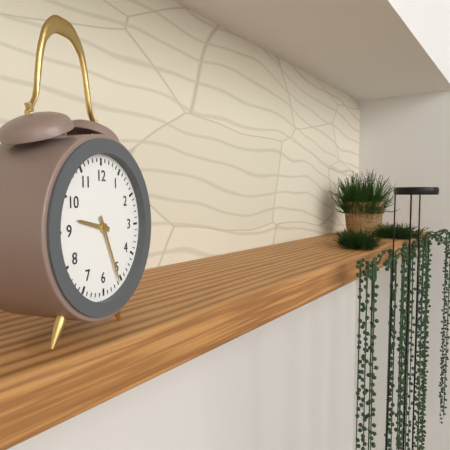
9:26
